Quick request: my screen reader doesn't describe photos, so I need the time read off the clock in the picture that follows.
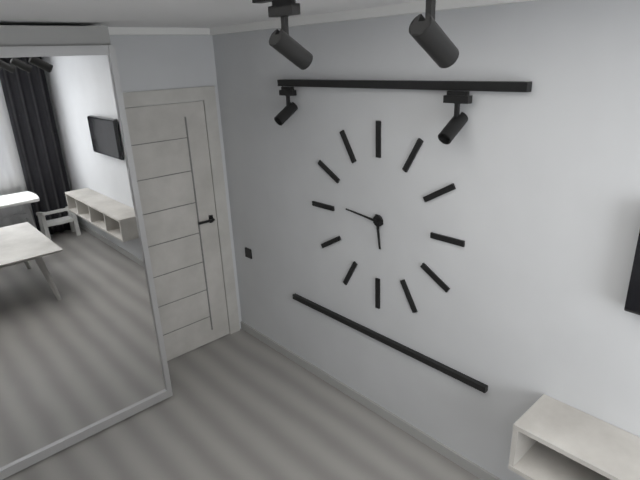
5:46
